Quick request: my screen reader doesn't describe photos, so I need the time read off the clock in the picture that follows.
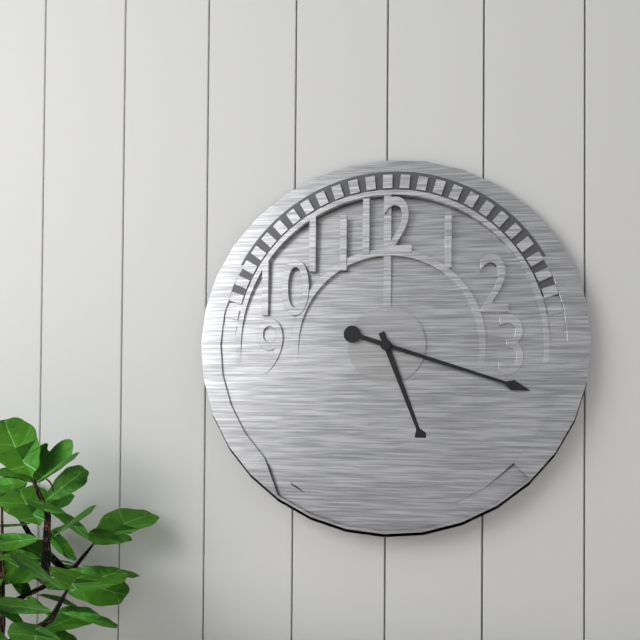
5:18
